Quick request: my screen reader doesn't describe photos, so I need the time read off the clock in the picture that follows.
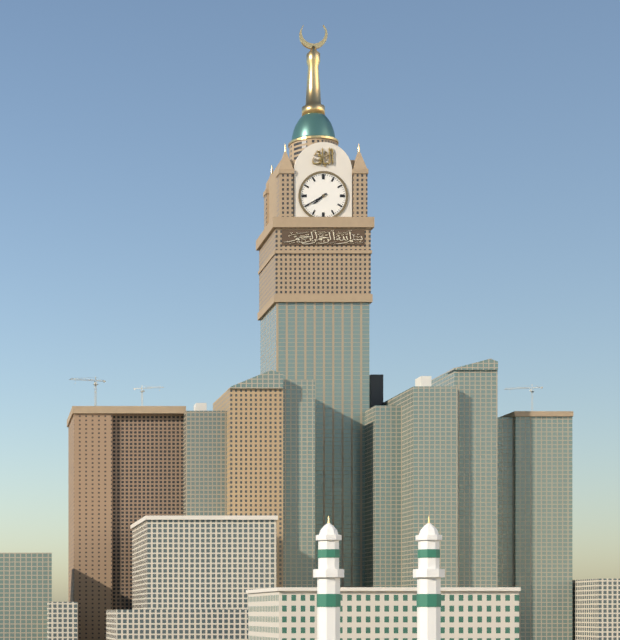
7:40
